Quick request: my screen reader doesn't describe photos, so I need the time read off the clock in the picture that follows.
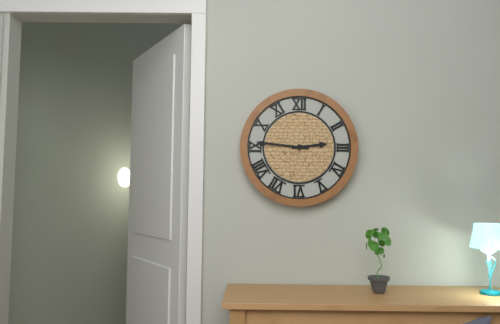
2:46
